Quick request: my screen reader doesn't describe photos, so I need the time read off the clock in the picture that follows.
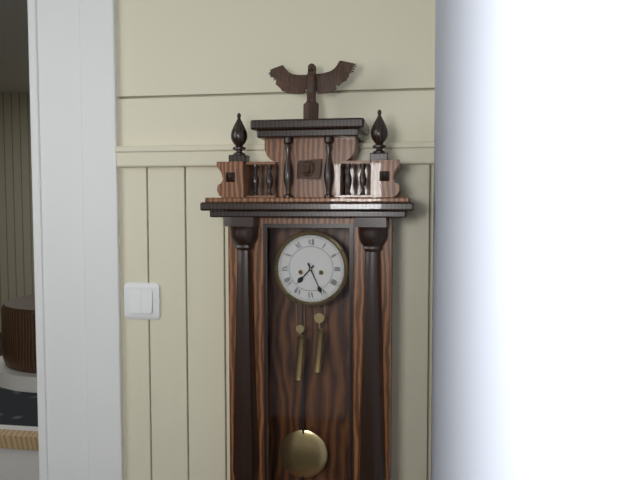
7:26
